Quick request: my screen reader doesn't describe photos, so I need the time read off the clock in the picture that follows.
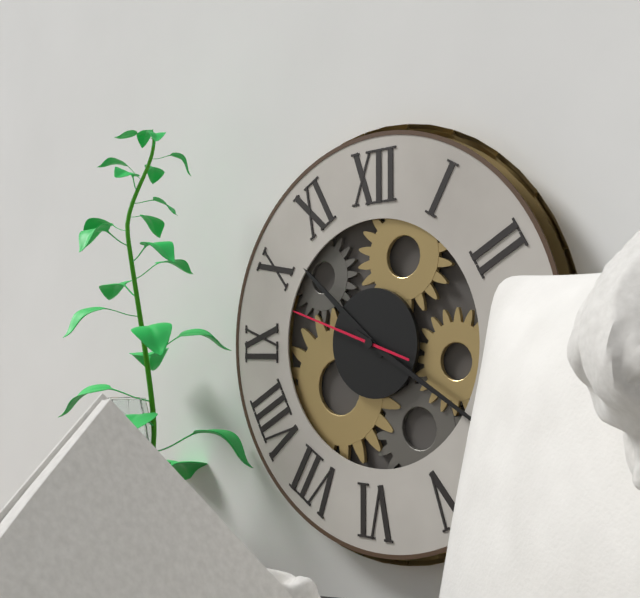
10:20:48
